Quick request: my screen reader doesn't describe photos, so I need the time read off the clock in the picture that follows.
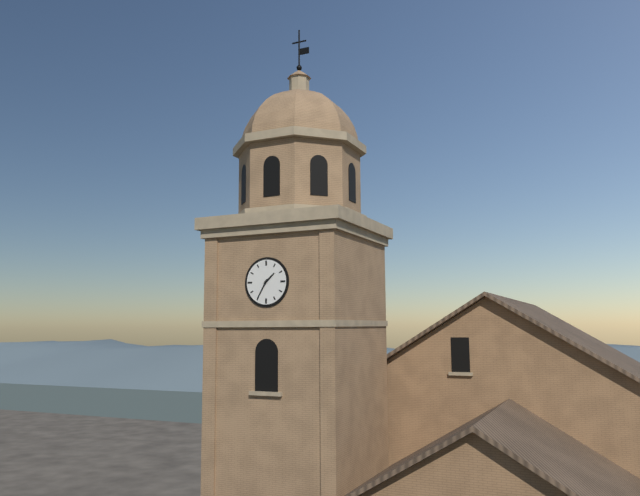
1:35
